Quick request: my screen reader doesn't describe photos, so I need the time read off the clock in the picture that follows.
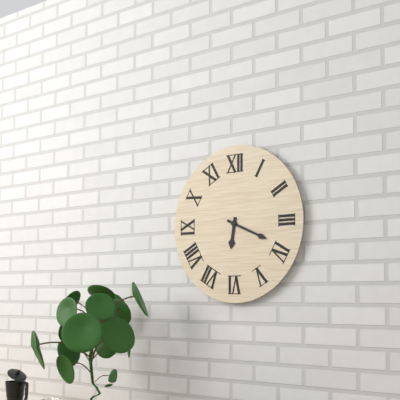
6:19
